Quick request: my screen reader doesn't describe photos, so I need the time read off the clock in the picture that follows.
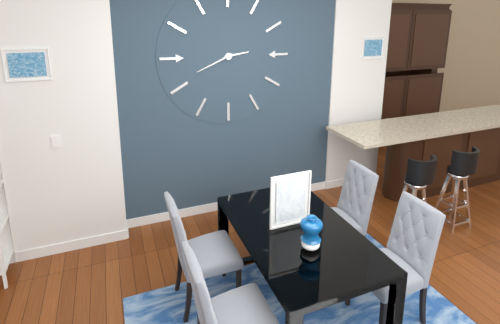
2:41
